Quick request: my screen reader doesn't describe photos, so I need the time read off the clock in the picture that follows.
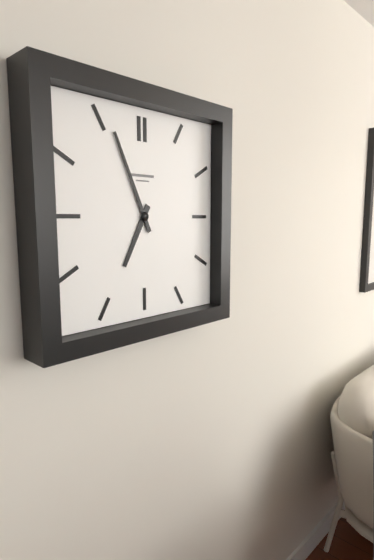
6:56
